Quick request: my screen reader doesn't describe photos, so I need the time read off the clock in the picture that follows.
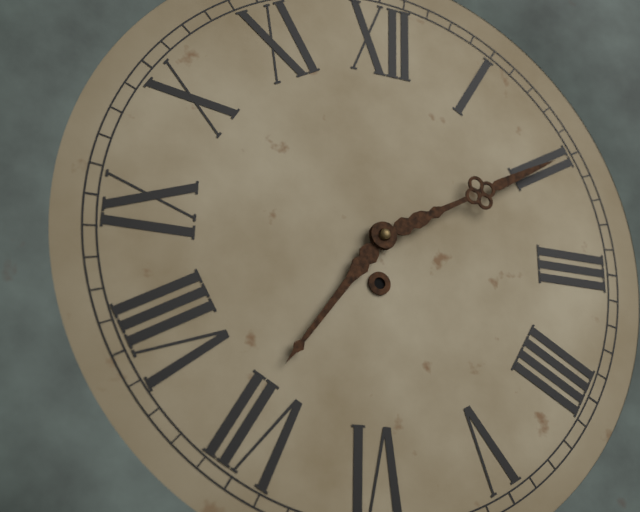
7:10
